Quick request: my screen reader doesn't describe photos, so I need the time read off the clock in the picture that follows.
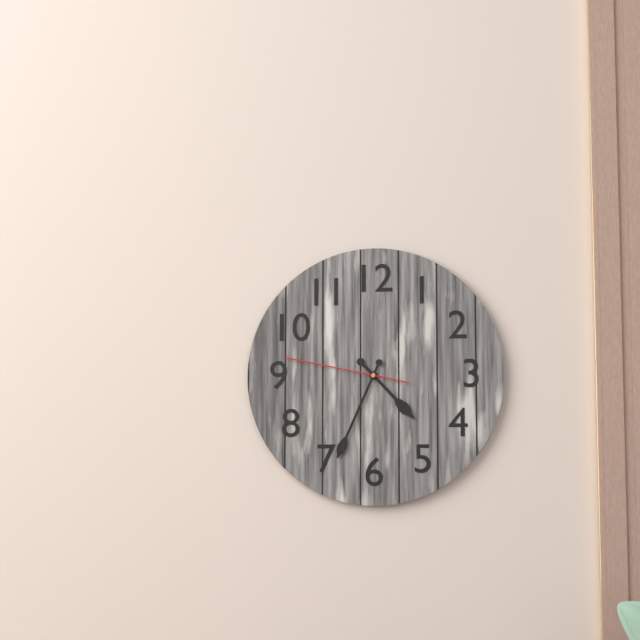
4:34:47
